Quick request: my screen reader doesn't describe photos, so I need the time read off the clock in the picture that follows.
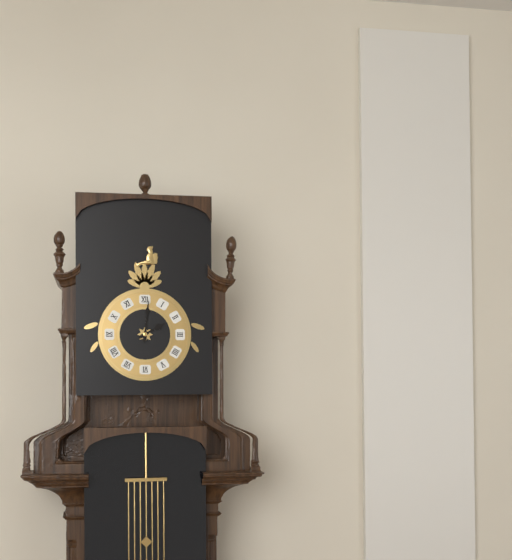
2:01
